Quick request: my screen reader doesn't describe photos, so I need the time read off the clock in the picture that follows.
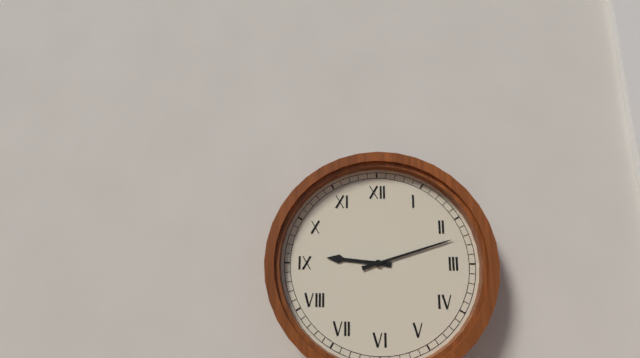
9:12
